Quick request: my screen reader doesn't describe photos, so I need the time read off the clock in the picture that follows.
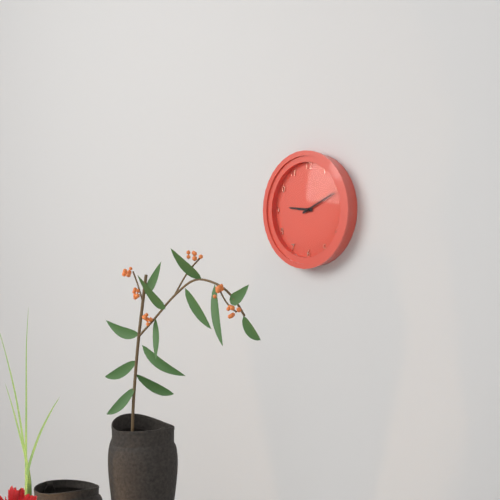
9:11
